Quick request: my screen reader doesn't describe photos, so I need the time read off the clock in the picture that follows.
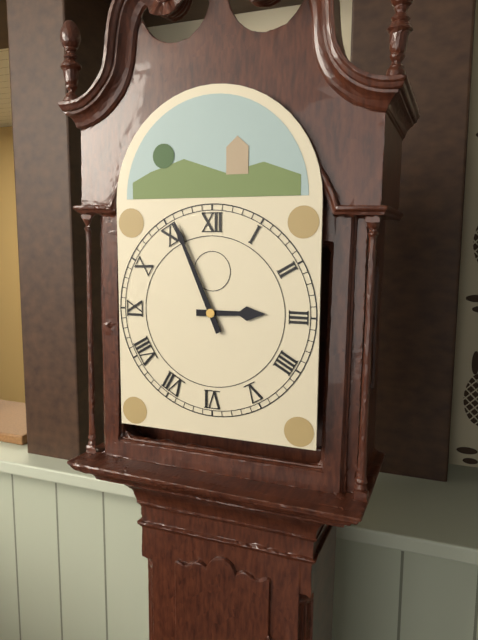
2:56
